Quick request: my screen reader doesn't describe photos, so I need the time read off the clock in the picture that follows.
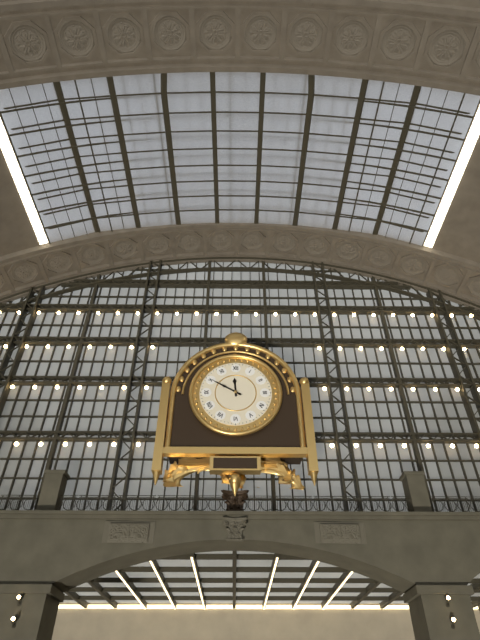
11:50
